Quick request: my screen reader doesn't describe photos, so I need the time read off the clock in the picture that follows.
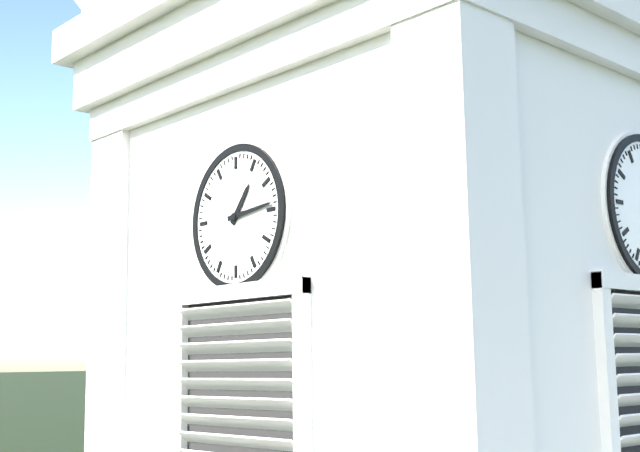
1:14
